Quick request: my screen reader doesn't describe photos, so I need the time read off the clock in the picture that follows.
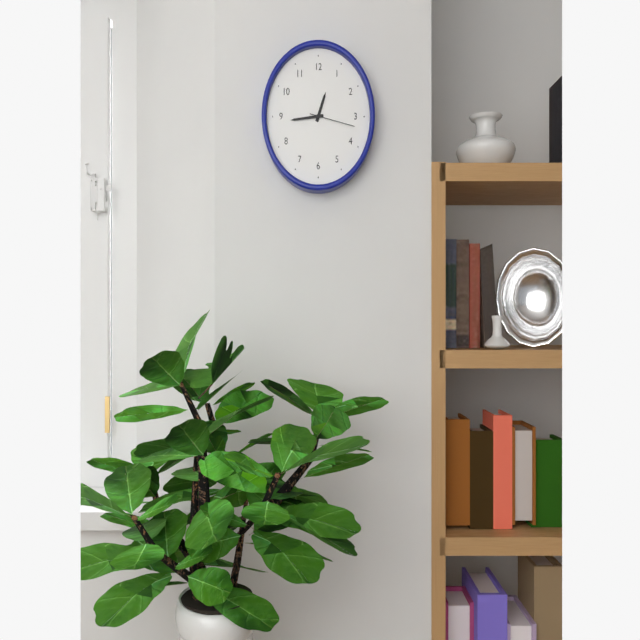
12:44
